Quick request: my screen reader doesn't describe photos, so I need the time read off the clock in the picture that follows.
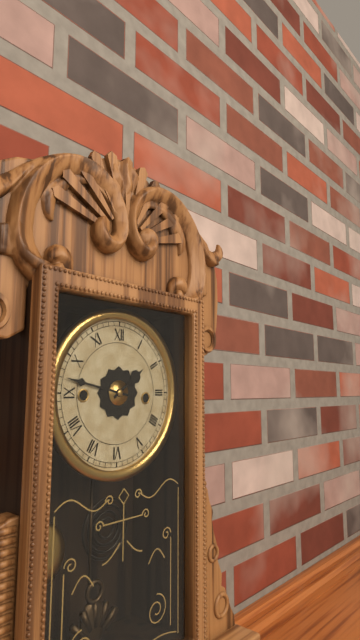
1:47
